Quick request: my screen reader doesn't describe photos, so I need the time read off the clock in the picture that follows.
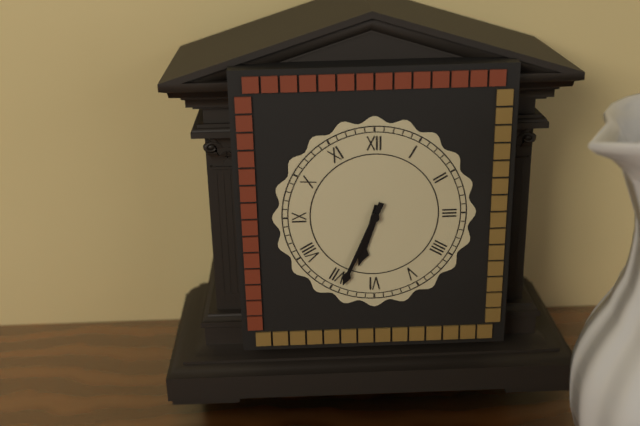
6:34
